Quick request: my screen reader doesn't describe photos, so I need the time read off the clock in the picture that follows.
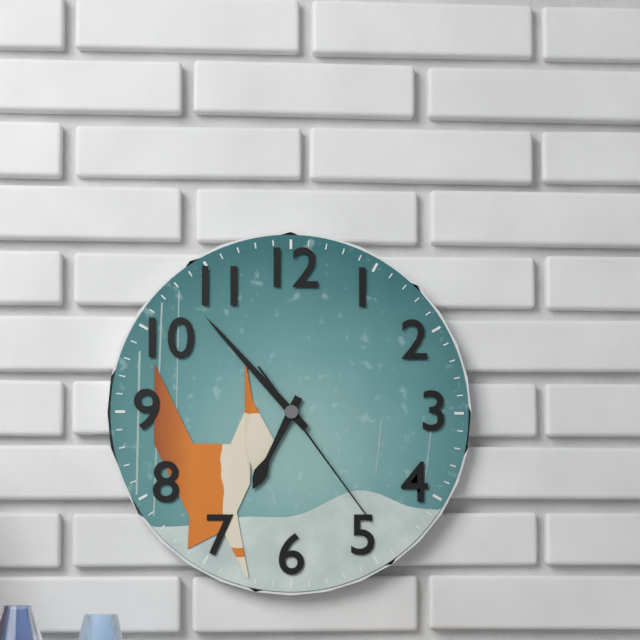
6:53:24
